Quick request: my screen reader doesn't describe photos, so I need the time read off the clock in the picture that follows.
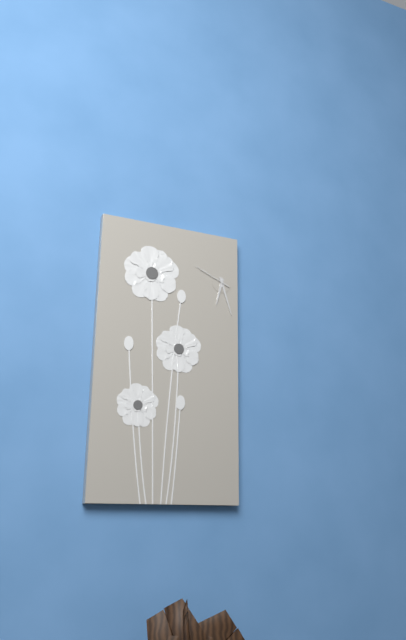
6:27
